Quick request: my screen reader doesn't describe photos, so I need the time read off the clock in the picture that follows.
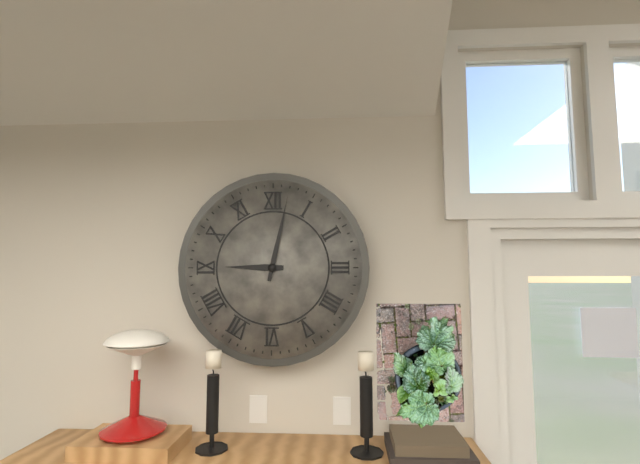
9:02
